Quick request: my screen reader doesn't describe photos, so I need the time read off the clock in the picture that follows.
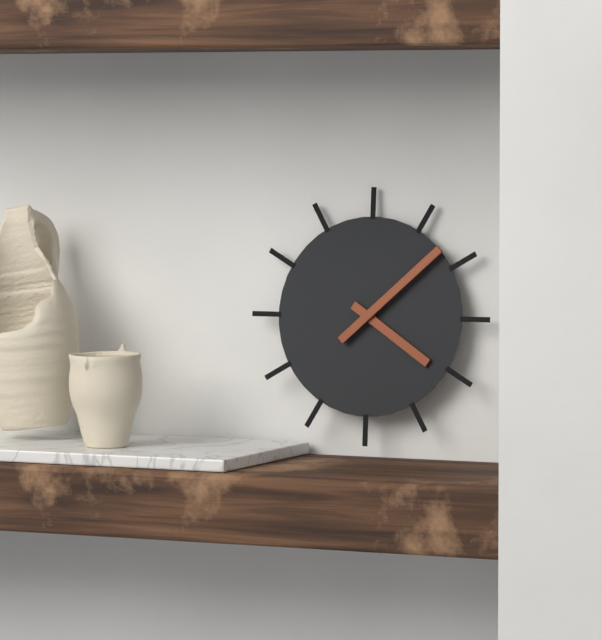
4:08
